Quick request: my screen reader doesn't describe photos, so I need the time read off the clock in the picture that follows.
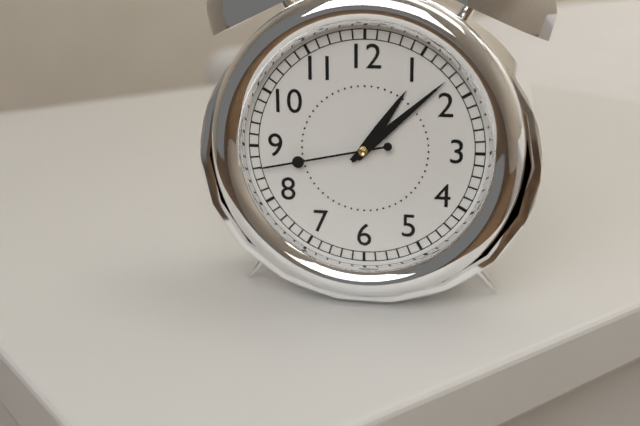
1:08:43
